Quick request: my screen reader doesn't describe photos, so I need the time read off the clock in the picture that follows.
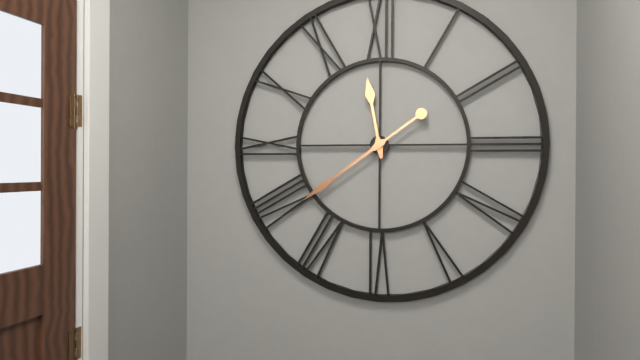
11:39
